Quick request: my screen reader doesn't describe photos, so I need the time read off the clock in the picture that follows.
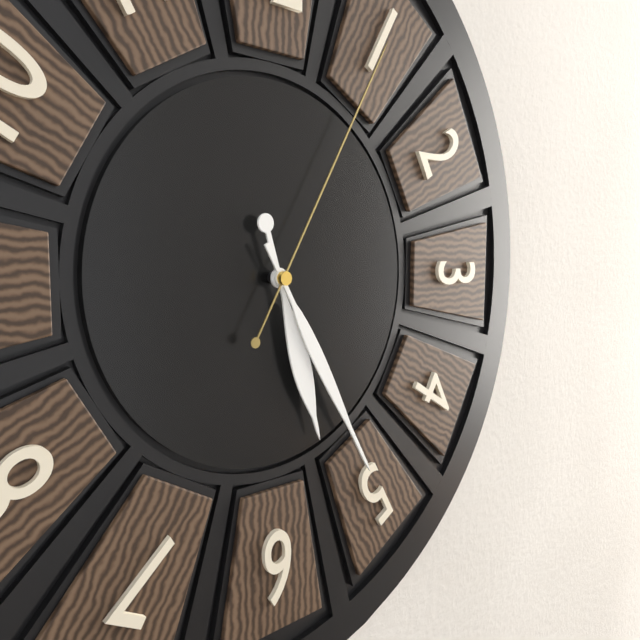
5:25:05
